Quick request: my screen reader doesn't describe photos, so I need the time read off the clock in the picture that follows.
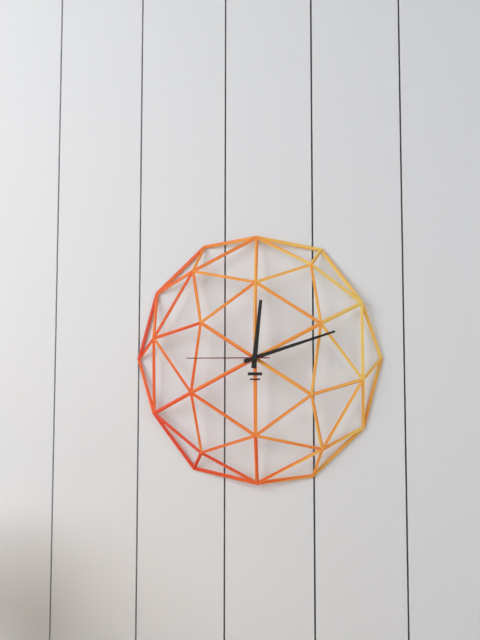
12:12:45
